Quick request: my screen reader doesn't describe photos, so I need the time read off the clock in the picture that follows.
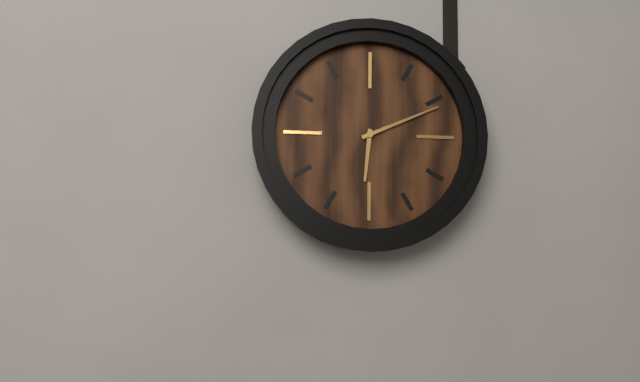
6:11
